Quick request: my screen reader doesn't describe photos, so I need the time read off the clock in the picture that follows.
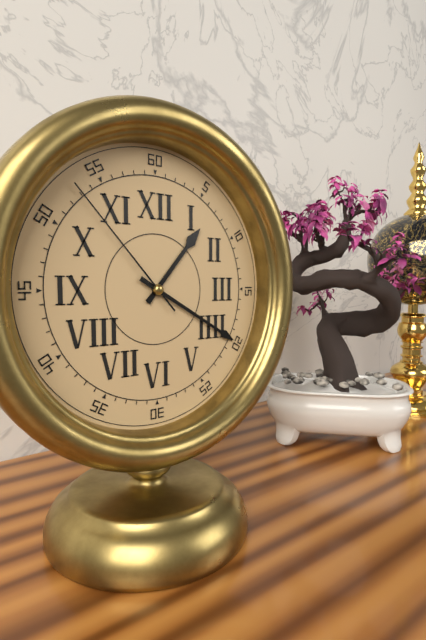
1:20:53
